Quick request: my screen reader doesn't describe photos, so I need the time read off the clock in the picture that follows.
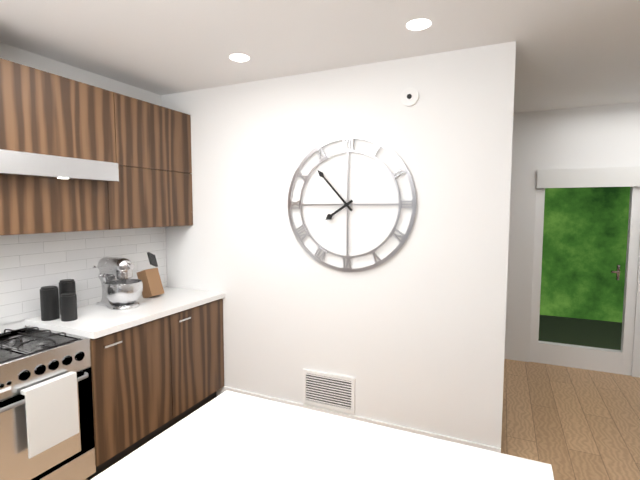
7:53
